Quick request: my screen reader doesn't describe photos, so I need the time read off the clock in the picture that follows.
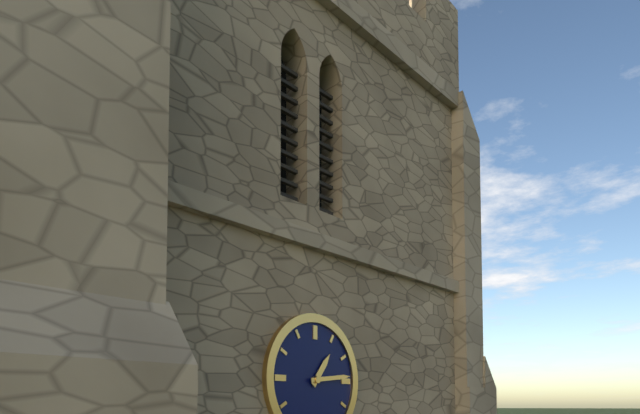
1:14
